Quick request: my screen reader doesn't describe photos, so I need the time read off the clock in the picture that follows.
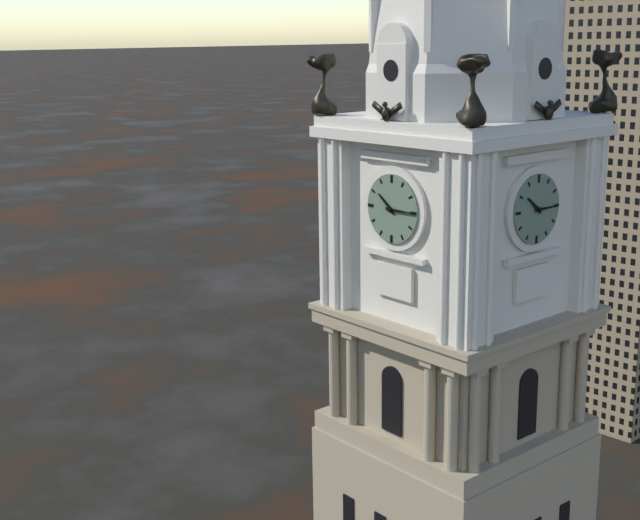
10:15
